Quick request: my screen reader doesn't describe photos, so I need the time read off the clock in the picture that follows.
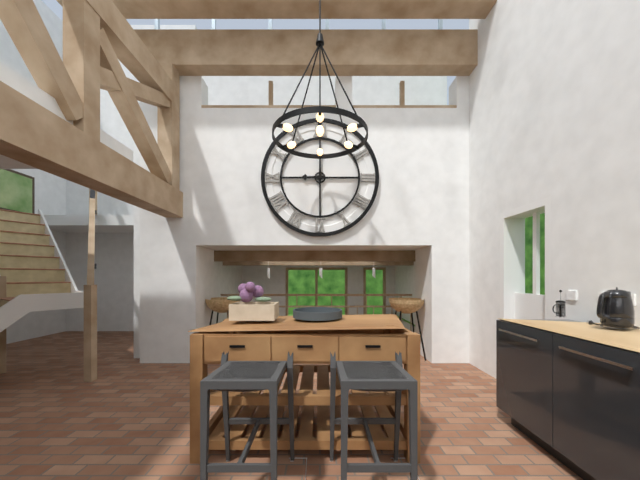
9:00
